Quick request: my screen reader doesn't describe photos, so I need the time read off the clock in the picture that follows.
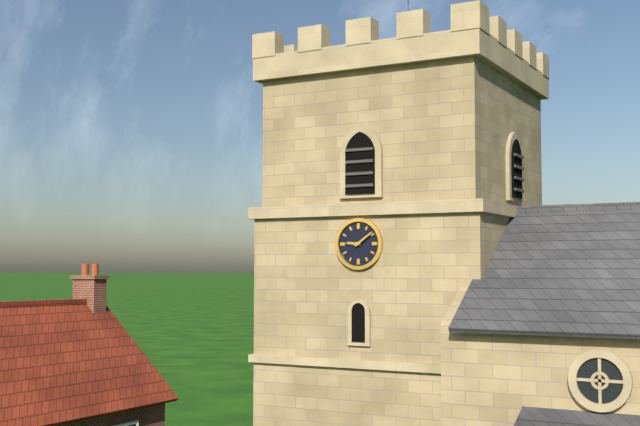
9:09
